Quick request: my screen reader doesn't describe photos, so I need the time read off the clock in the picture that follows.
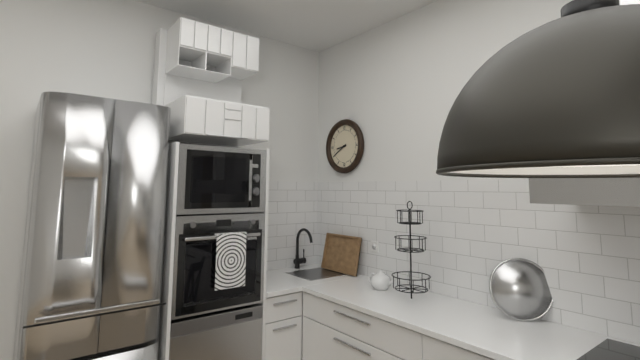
8:40
